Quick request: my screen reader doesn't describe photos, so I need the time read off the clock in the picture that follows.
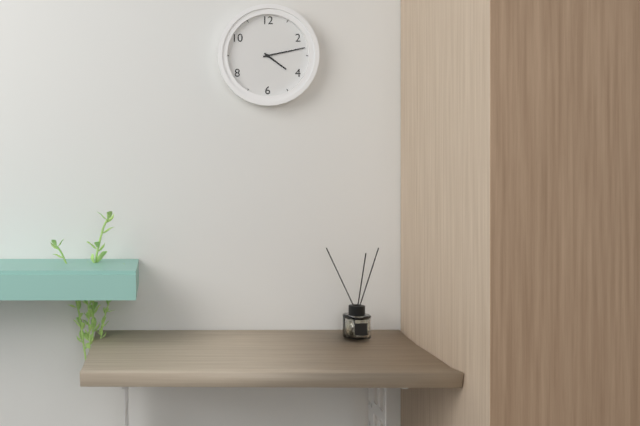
4:13
